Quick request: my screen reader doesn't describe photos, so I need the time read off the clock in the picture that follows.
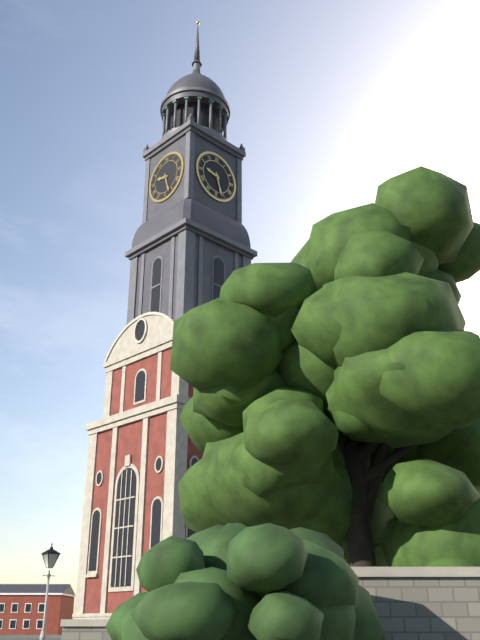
9:27
